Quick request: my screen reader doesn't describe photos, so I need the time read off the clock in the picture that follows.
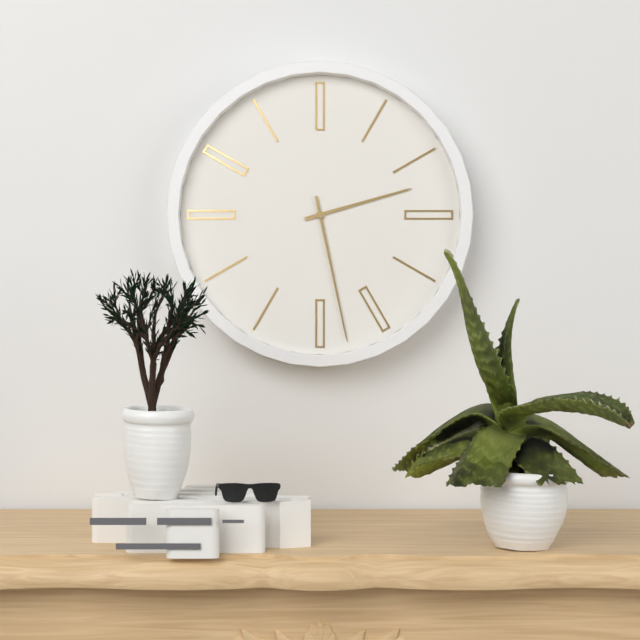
2:28
